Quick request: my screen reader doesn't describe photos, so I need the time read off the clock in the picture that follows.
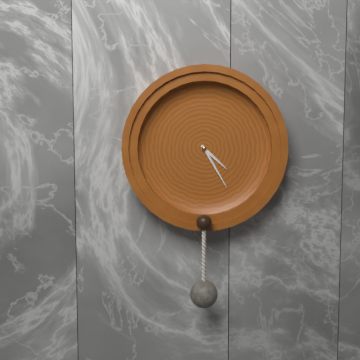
4:25
